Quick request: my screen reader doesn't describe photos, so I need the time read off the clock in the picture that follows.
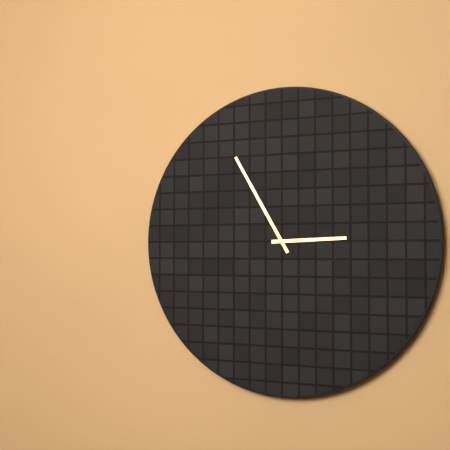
2:55
